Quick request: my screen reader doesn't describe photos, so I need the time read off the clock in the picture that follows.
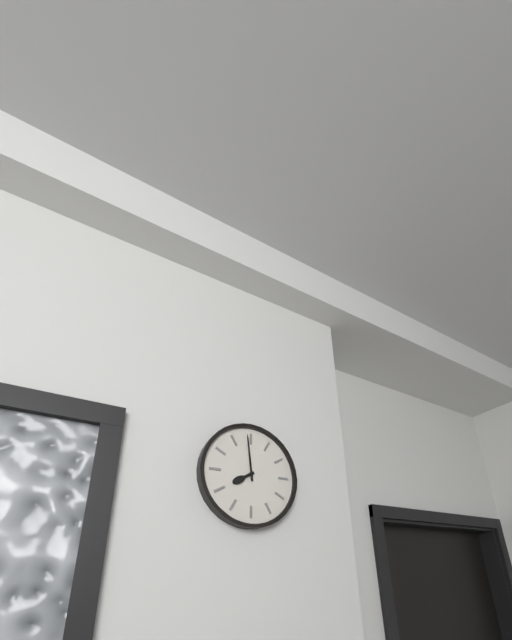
7:59
